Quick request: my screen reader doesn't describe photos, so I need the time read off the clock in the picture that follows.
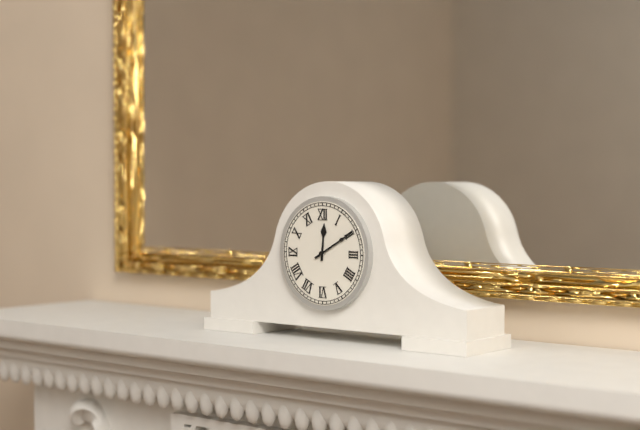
12:10
